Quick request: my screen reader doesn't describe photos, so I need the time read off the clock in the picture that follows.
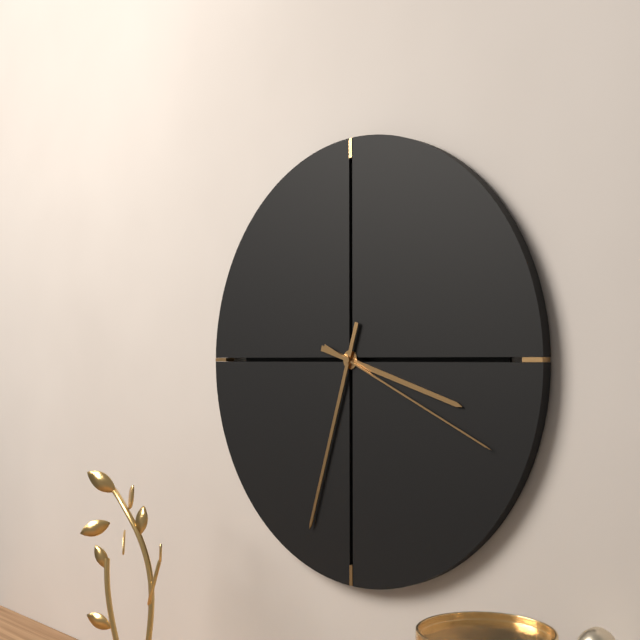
3:33:19
